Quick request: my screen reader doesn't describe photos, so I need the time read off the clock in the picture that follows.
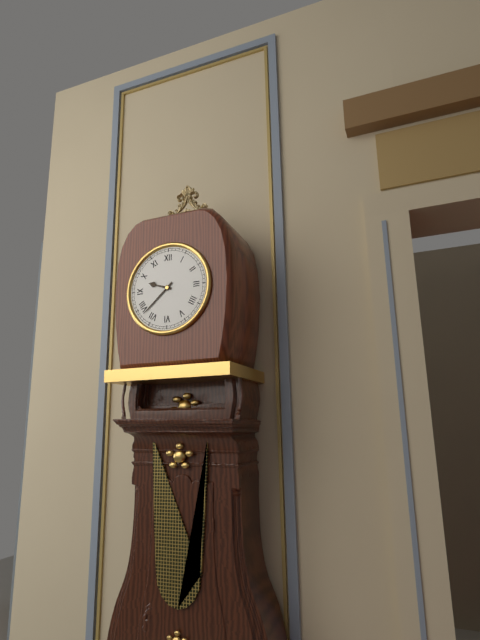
9:38
